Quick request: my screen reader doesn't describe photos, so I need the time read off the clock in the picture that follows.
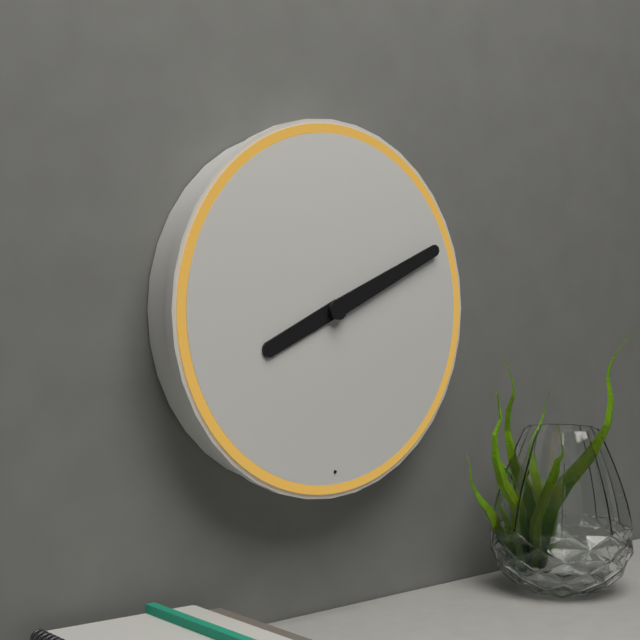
8:11
